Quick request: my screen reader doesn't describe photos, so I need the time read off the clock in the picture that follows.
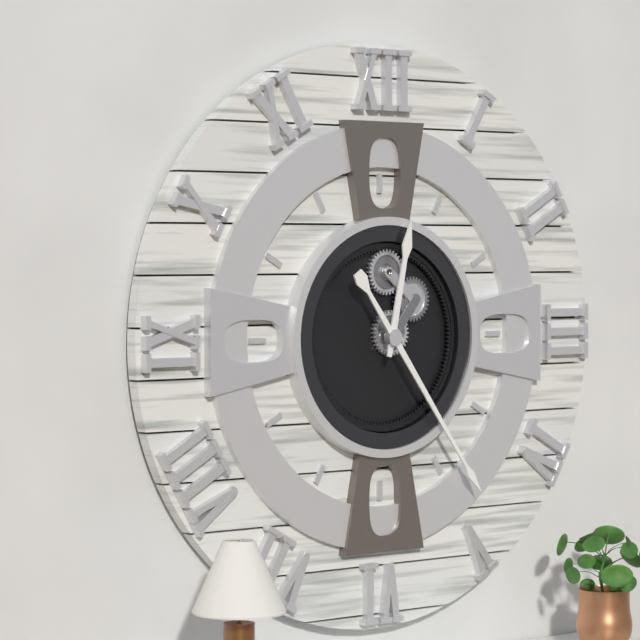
12:24
